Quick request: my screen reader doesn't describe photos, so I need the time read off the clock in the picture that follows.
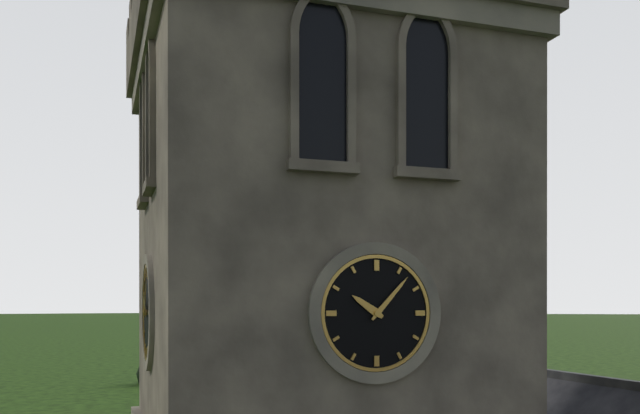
10:07
